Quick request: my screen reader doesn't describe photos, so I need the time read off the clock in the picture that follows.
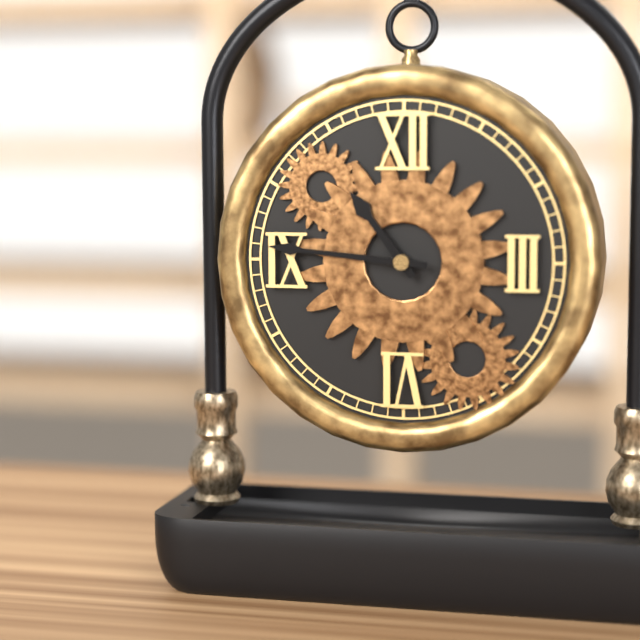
10:46
